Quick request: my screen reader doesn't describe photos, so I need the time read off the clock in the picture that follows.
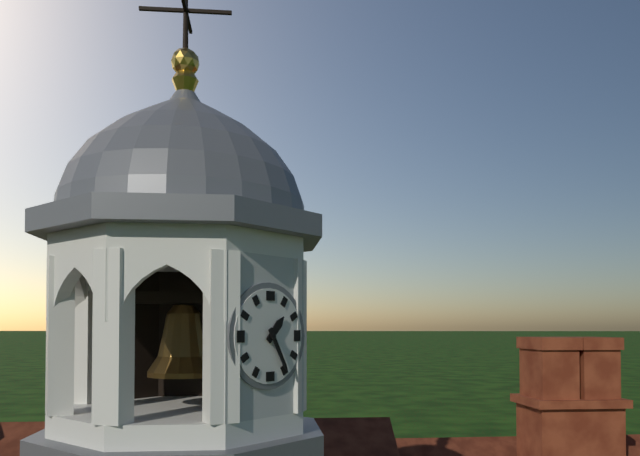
1:25
